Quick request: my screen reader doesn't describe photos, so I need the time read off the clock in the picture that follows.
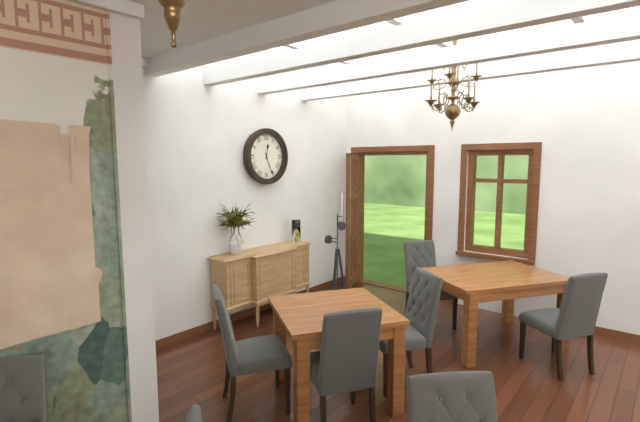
12:26
